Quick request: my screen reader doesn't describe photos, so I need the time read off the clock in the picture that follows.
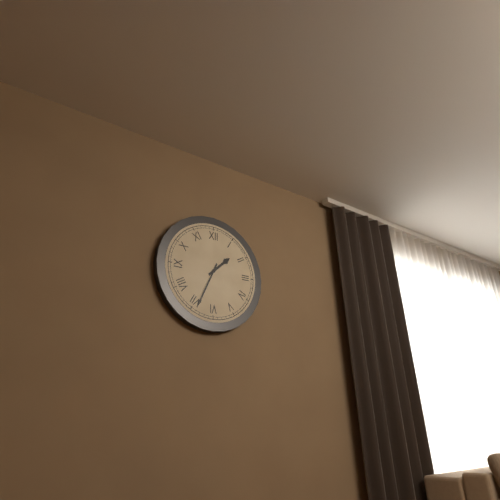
1:34
